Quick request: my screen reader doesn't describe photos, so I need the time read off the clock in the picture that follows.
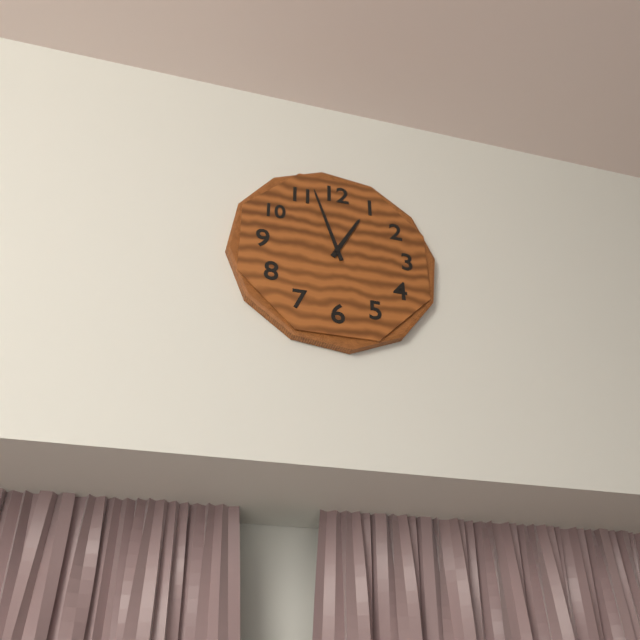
12:57
